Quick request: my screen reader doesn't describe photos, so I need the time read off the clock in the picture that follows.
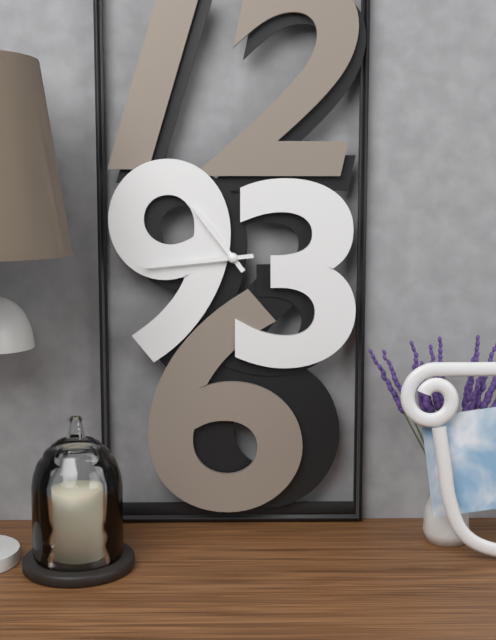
10:44
